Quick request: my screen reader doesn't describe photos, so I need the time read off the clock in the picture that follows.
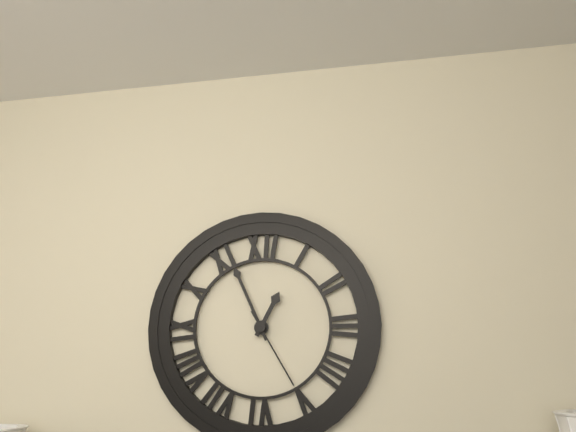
12:56:25
